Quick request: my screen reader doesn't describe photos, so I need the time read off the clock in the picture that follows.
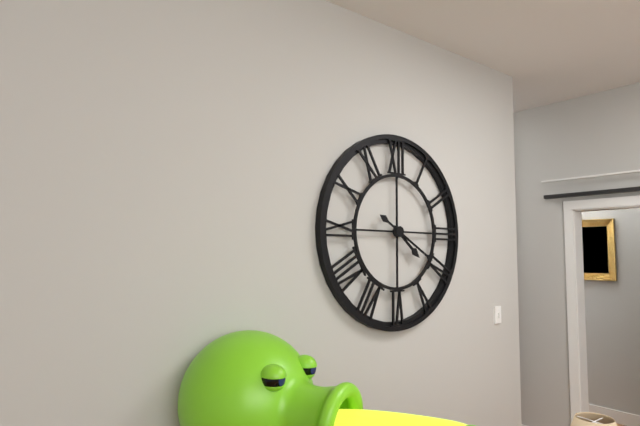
4:20
